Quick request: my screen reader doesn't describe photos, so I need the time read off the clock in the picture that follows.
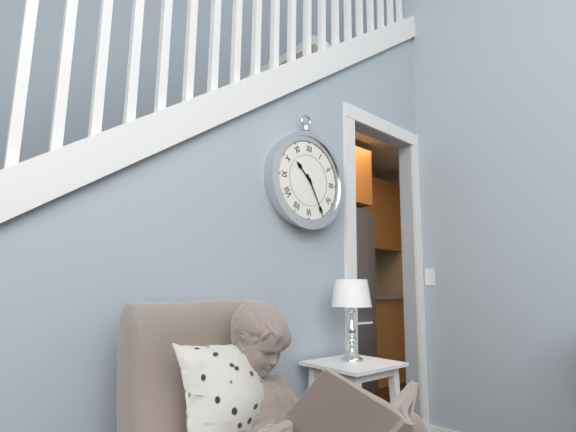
10:25
